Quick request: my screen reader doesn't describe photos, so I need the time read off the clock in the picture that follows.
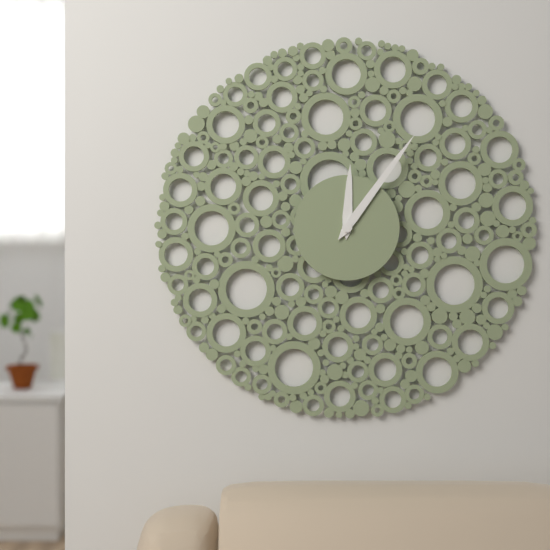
12:06
